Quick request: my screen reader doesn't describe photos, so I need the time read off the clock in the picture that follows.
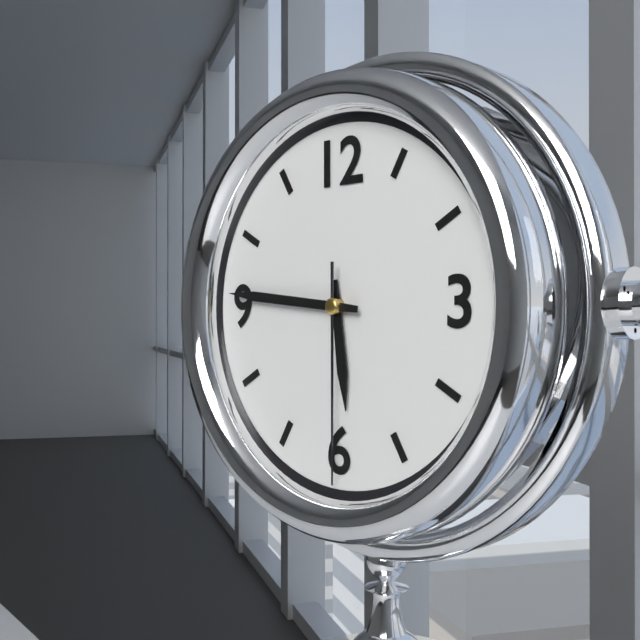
5:46:30
